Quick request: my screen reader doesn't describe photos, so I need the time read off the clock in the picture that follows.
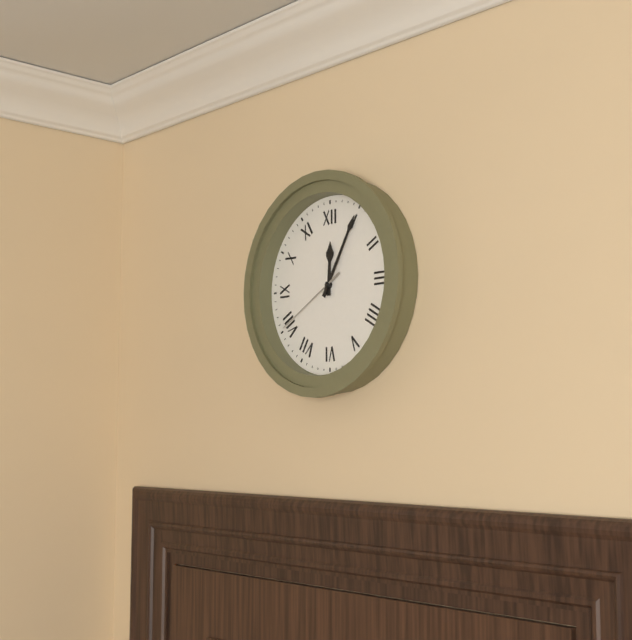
12:05:40
